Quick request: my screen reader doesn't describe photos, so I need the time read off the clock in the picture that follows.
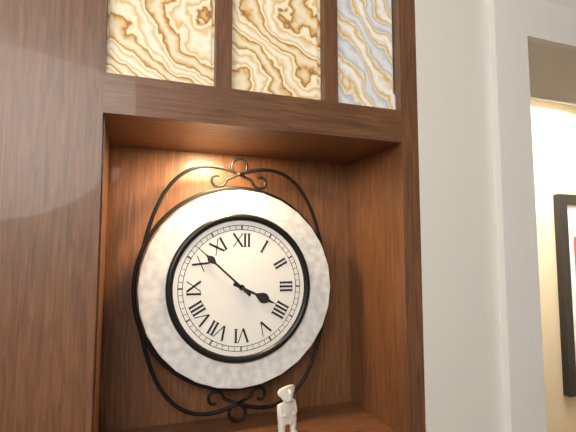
3:52
